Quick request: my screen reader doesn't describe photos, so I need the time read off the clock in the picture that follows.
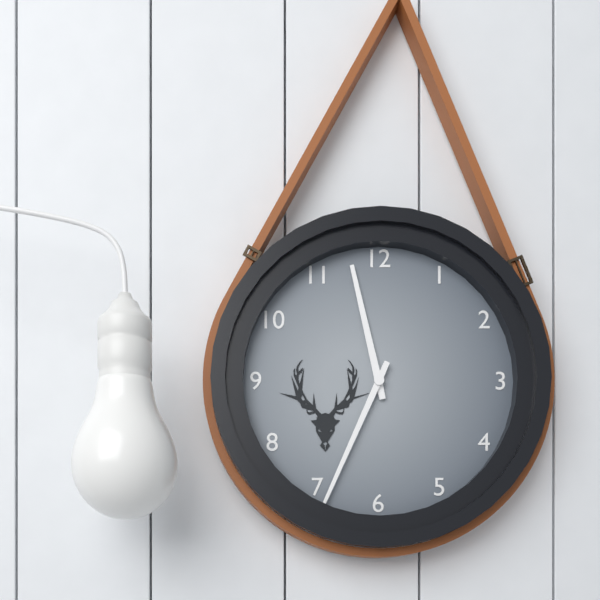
11:34
